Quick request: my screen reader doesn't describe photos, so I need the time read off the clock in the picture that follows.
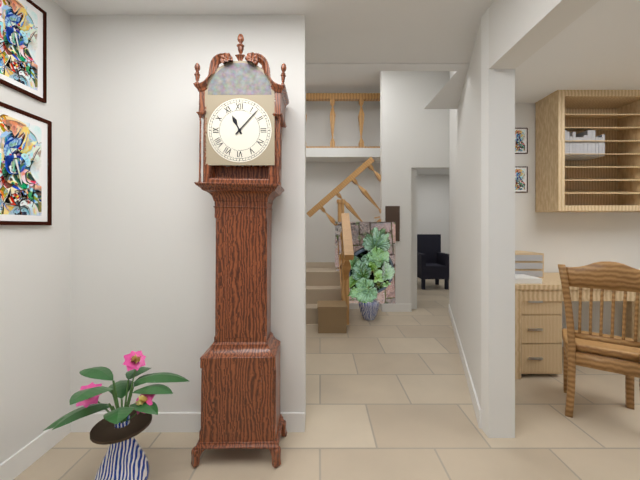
11:07
